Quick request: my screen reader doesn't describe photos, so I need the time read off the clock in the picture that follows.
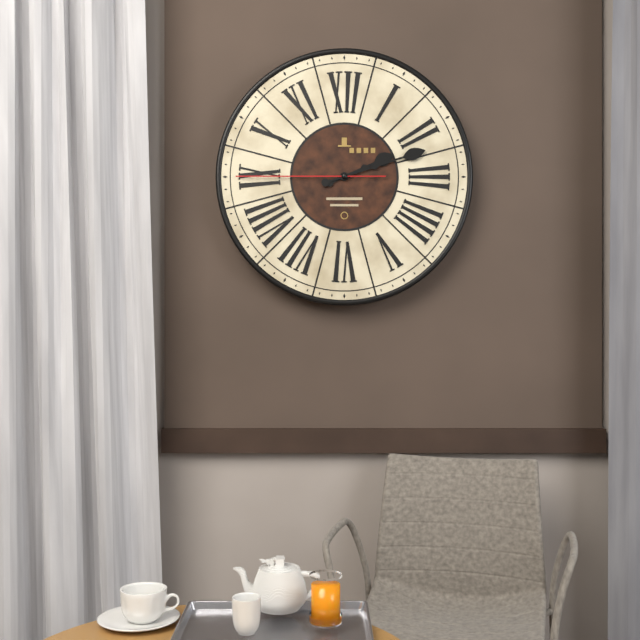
2:12:45
